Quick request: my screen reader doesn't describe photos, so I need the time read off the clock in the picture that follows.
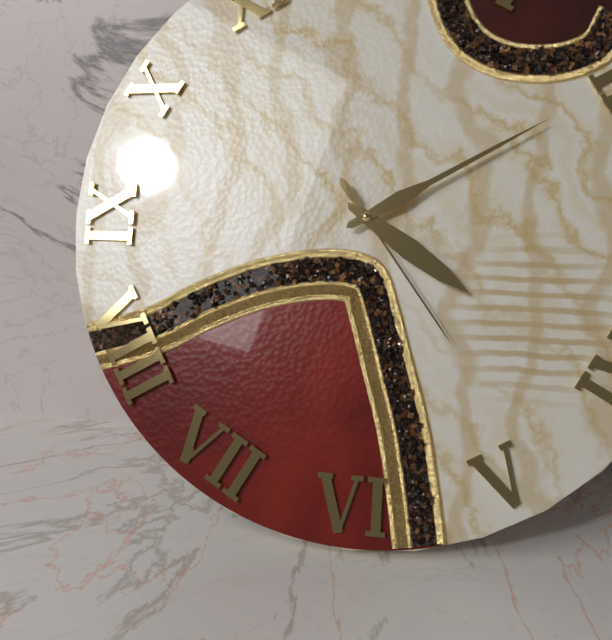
4:10:24
